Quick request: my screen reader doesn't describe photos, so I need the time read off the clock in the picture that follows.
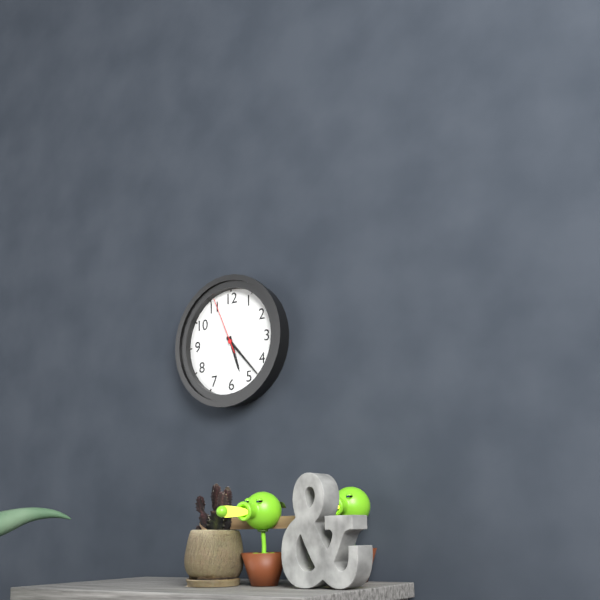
5:23:56
